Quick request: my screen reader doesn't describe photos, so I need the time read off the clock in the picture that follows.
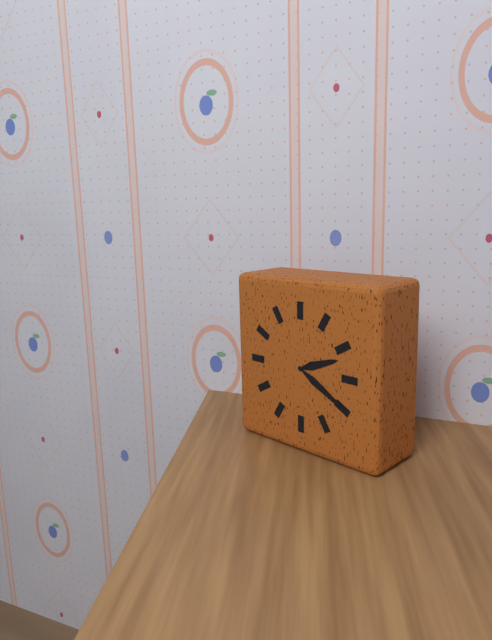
2:20
